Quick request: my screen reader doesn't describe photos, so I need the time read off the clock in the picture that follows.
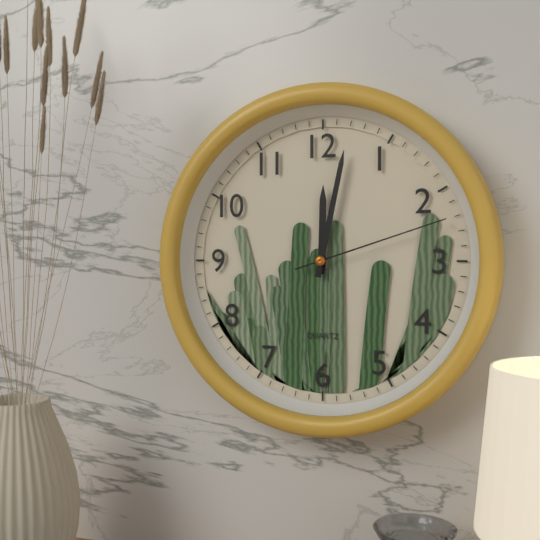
12:02:12
